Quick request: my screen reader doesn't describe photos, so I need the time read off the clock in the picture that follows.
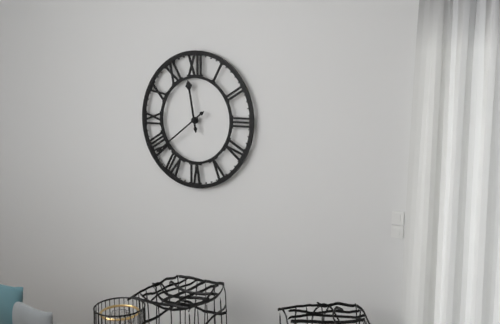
11:39
